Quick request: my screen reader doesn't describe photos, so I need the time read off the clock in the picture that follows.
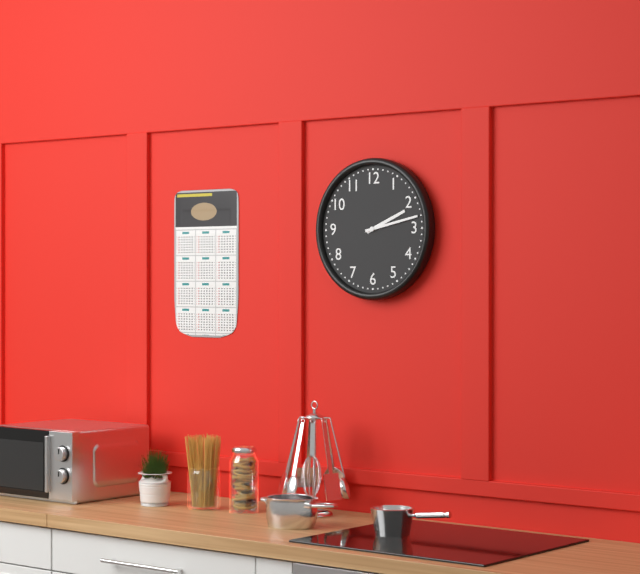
2:13
